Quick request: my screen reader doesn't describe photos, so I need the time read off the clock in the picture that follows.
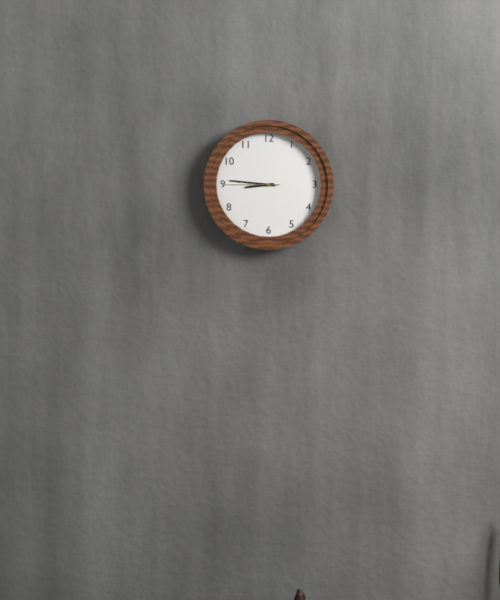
8:46:45
